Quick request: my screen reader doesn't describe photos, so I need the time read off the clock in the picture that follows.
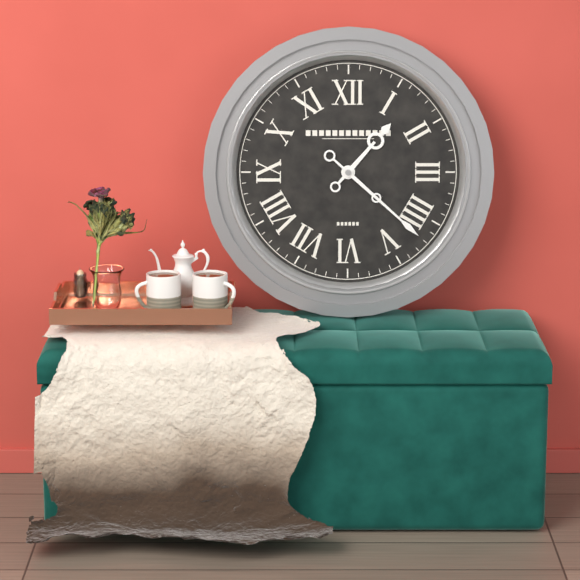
1:22
